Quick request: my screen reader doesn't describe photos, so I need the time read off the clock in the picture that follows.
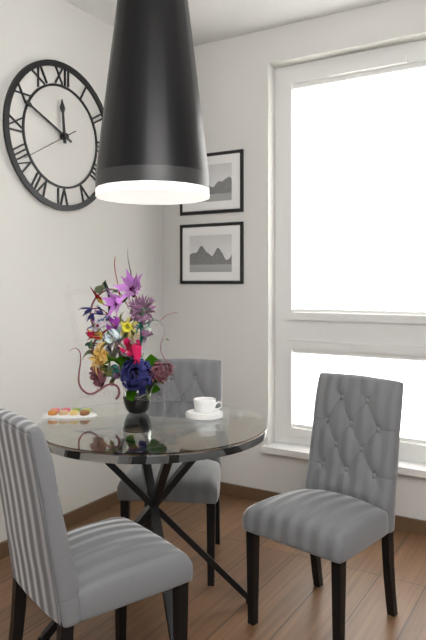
11:49:40
